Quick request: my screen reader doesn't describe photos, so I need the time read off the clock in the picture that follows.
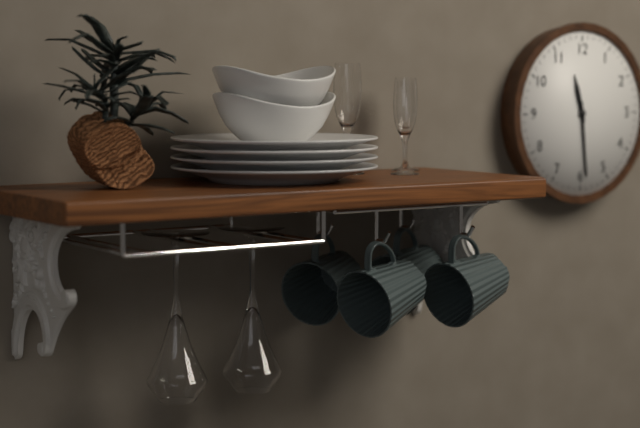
11:29
